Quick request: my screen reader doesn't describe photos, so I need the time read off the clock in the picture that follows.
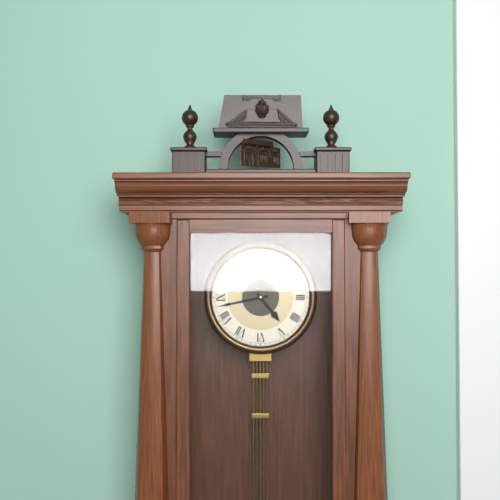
4:43
